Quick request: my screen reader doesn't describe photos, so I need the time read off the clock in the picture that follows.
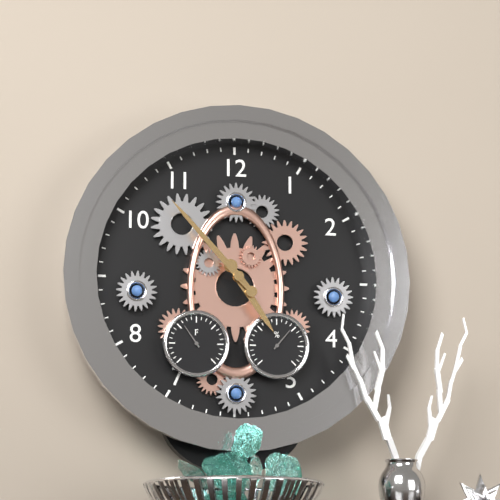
4:53
